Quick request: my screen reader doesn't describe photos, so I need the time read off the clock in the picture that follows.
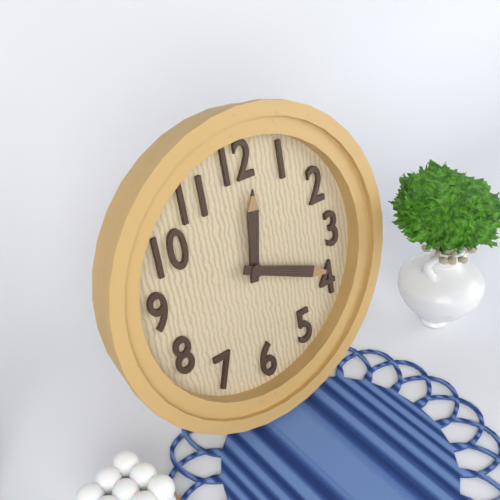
12:19
